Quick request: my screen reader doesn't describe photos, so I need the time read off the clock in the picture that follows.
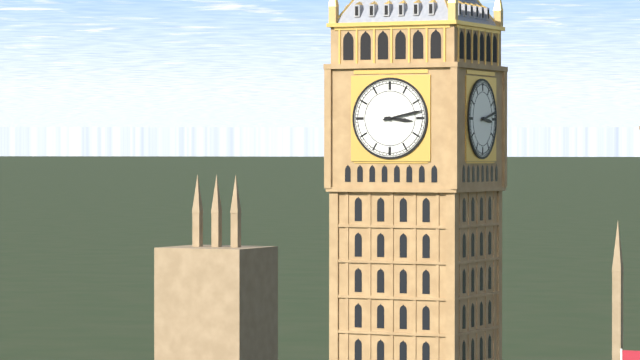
3:13
